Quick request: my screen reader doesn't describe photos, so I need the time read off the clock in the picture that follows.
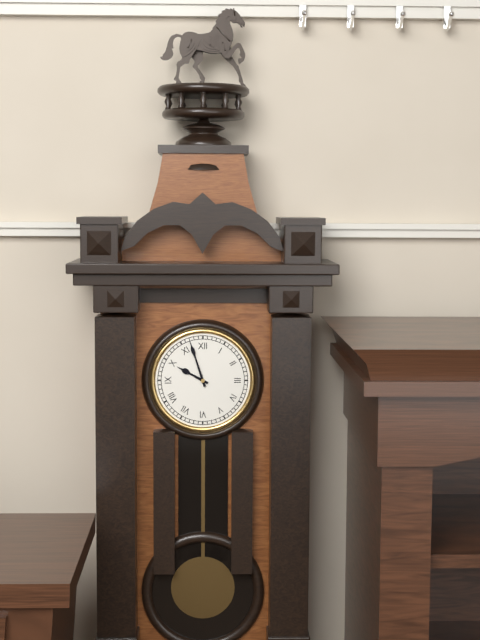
9:57
